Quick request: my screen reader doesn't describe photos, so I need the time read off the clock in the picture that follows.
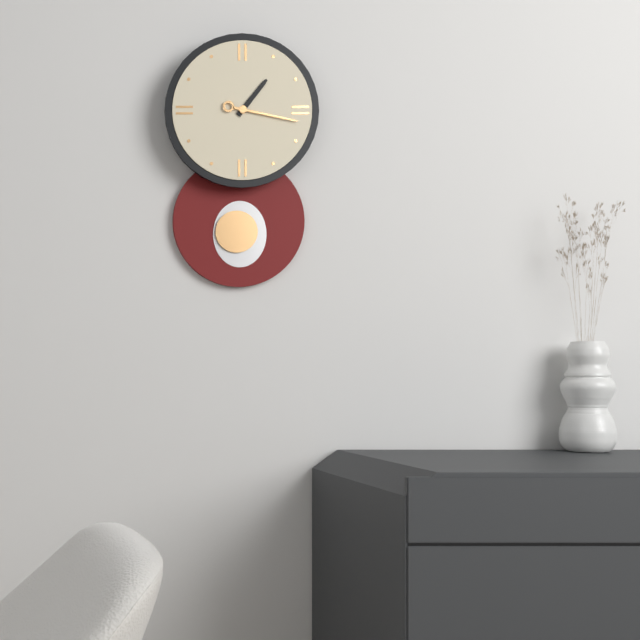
1:17
